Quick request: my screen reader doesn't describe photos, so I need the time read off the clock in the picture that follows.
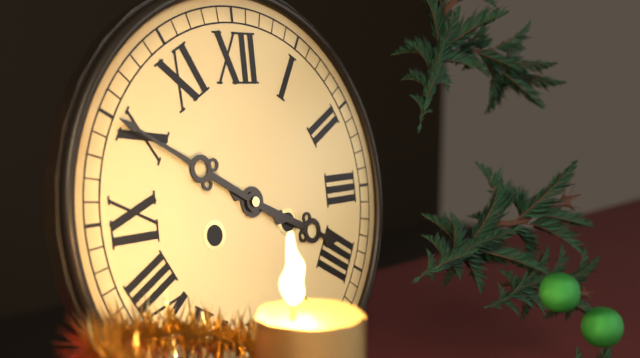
3:50
